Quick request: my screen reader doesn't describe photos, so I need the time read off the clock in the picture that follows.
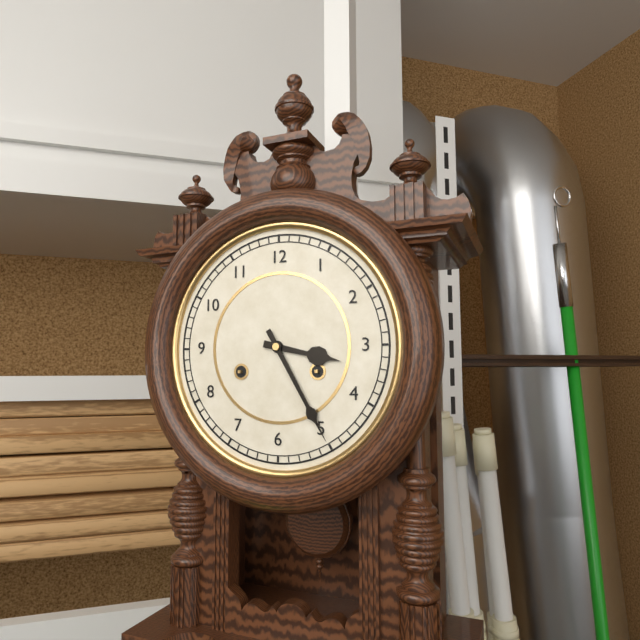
3:25
